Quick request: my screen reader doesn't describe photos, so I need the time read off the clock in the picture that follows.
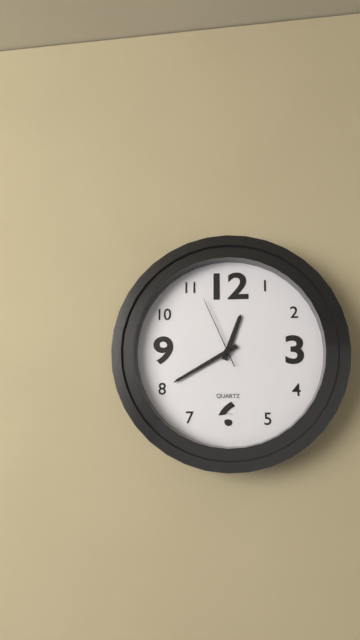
12:40:56
